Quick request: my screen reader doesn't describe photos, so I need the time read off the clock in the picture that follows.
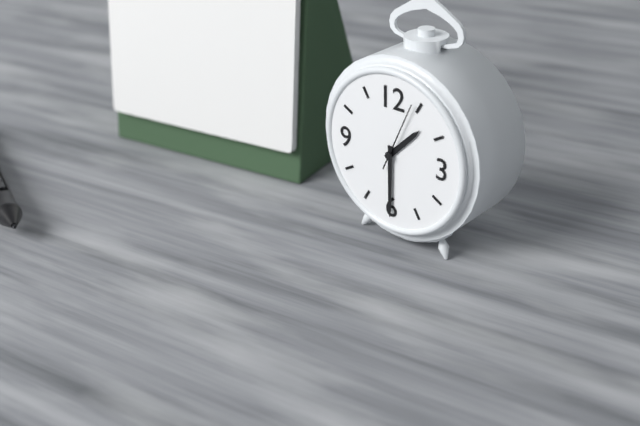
1:30:04
